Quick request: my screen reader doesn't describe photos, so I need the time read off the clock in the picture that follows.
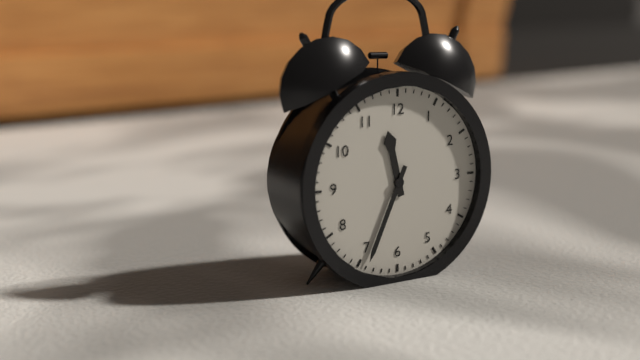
11:34
